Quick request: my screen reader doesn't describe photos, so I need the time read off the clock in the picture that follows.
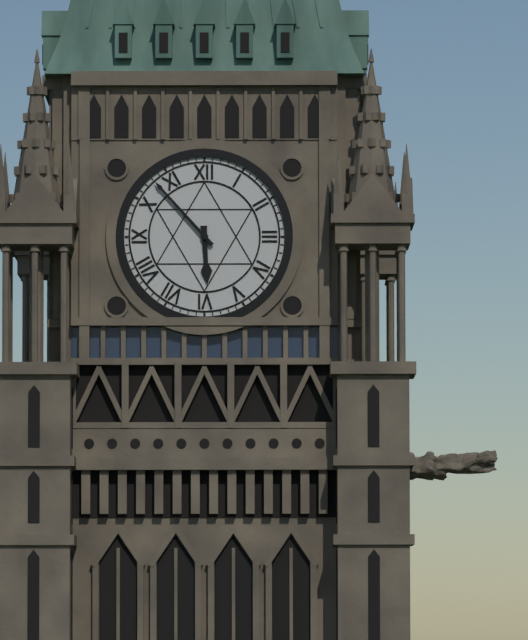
5:53
